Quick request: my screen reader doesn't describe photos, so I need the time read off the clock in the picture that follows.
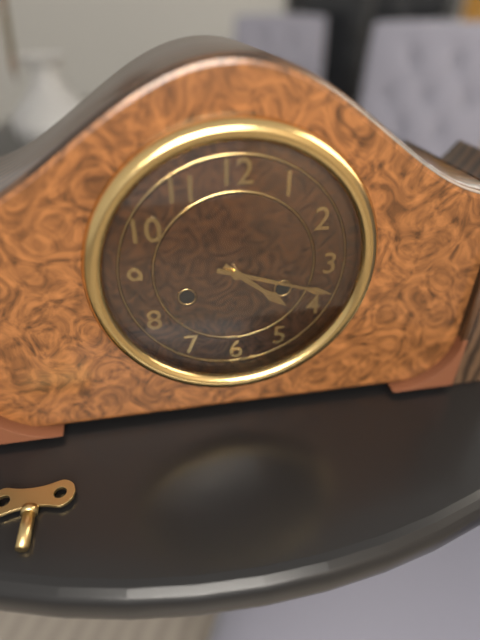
4:18
